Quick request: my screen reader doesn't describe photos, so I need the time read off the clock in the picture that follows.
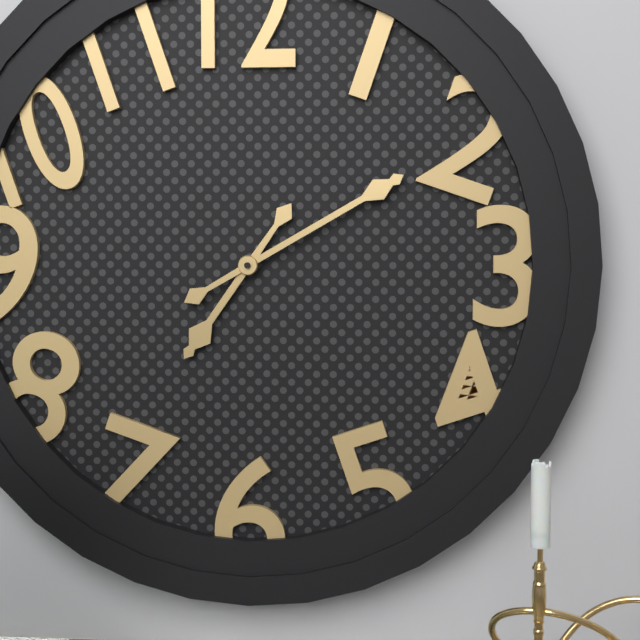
7:10
